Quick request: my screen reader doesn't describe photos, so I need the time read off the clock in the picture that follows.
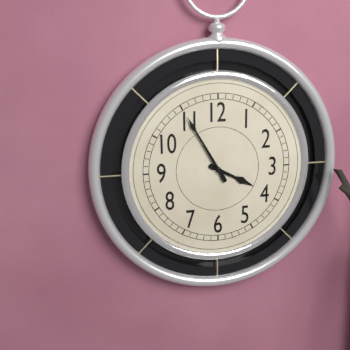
3:55
